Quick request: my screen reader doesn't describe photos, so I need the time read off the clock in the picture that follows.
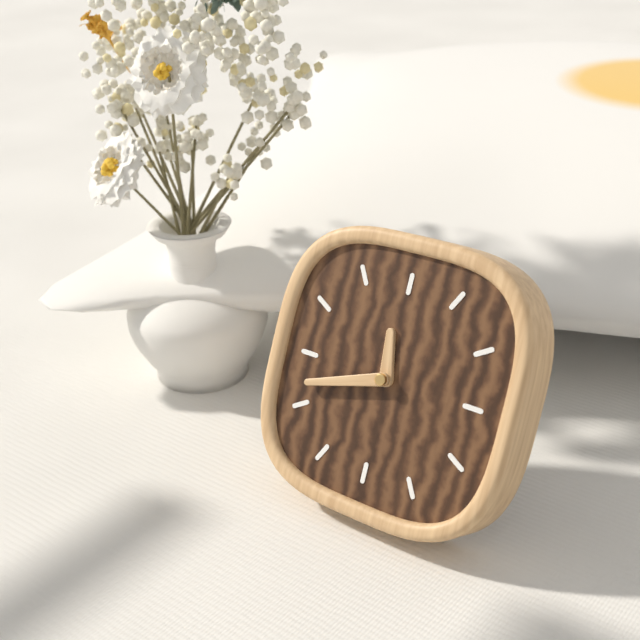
11:42
